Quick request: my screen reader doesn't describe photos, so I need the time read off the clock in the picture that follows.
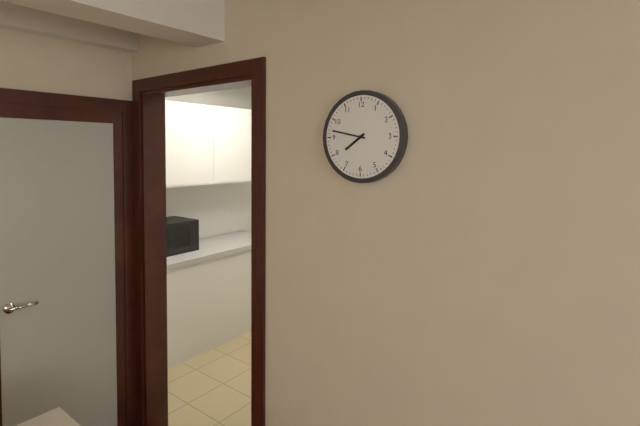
7:47
